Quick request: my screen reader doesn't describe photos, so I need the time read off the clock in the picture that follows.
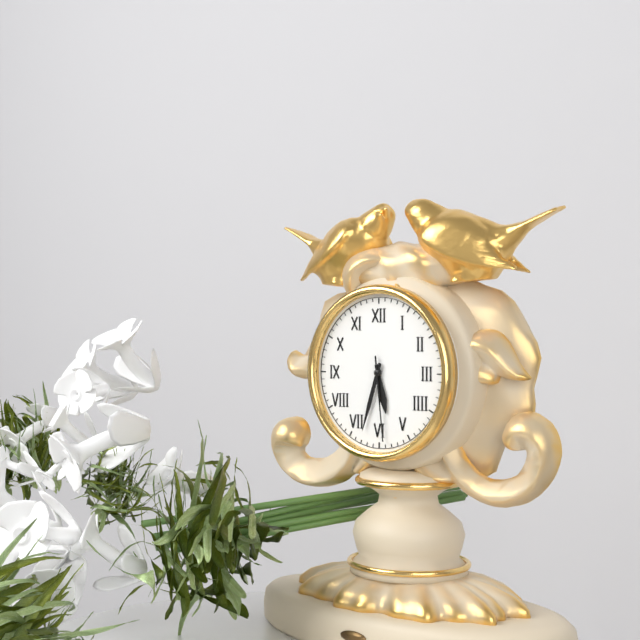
5:33:29
